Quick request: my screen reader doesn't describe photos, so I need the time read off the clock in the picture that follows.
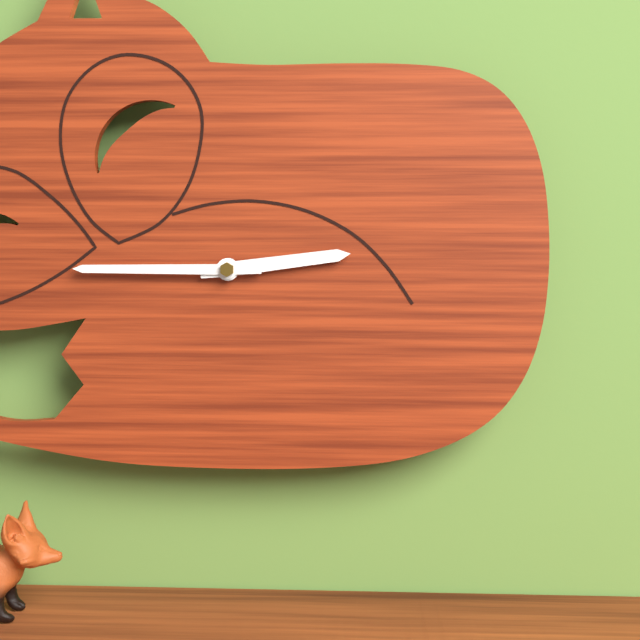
2:45
